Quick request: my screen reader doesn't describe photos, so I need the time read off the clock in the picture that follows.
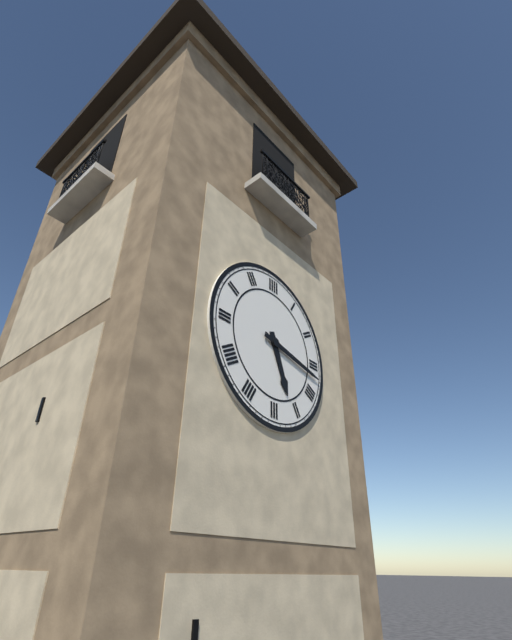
5:17
